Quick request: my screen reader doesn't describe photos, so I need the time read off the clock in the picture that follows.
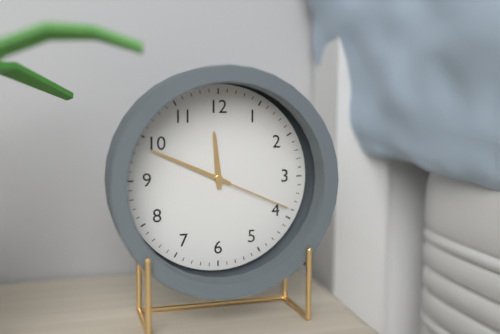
11:49:19
